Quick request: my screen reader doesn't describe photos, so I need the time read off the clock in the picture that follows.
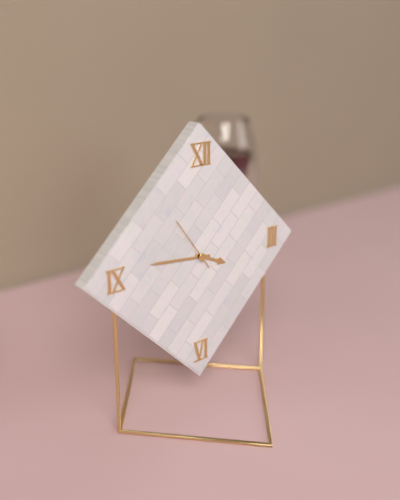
3:46:54
